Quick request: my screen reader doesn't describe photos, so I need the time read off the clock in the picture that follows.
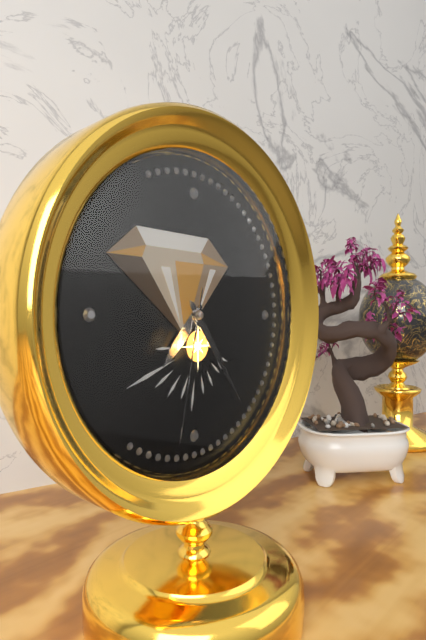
7:24:32
